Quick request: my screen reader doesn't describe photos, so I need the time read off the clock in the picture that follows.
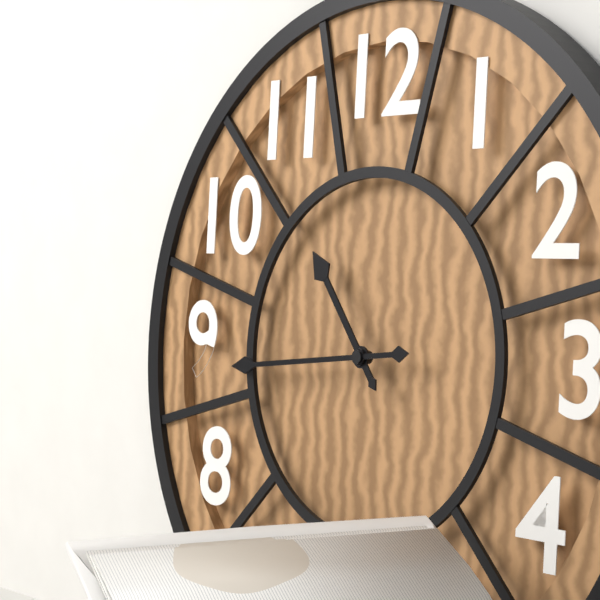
10:44
